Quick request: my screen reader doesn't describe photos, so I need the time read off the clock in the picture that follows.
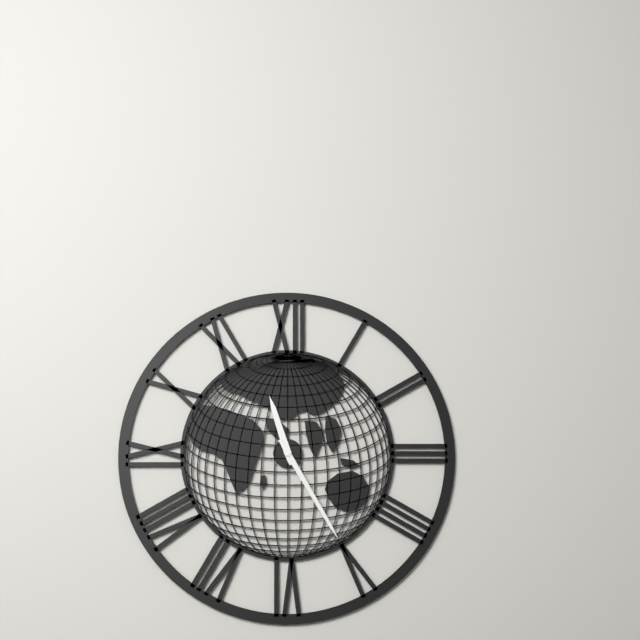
11:25
